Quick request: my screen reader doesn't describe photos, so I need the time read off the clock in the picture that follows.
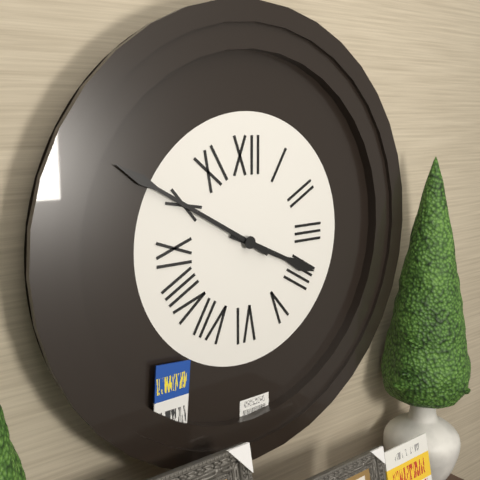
3:50
